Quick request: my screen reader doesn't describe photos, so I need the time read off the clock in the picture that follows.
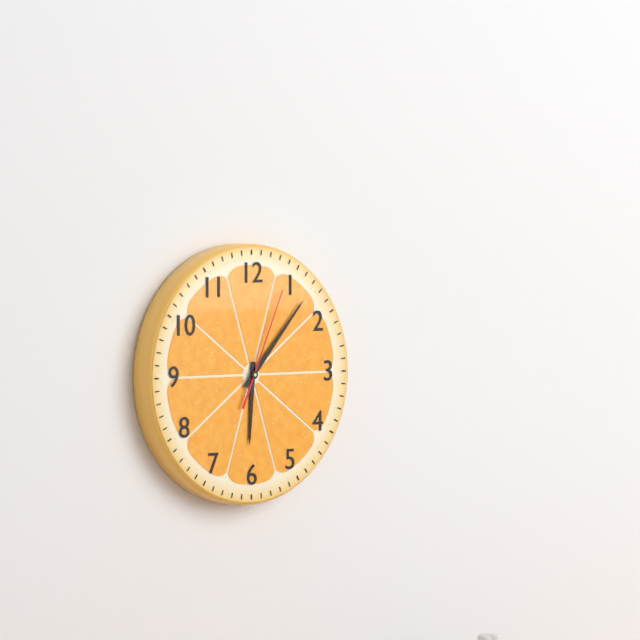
6:07:04
